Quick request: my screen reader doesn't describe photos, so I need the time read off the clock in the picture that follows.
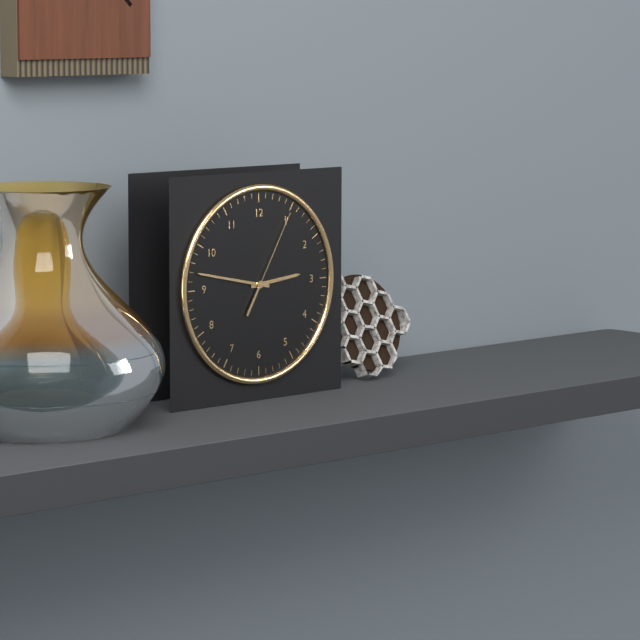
2:47:05
